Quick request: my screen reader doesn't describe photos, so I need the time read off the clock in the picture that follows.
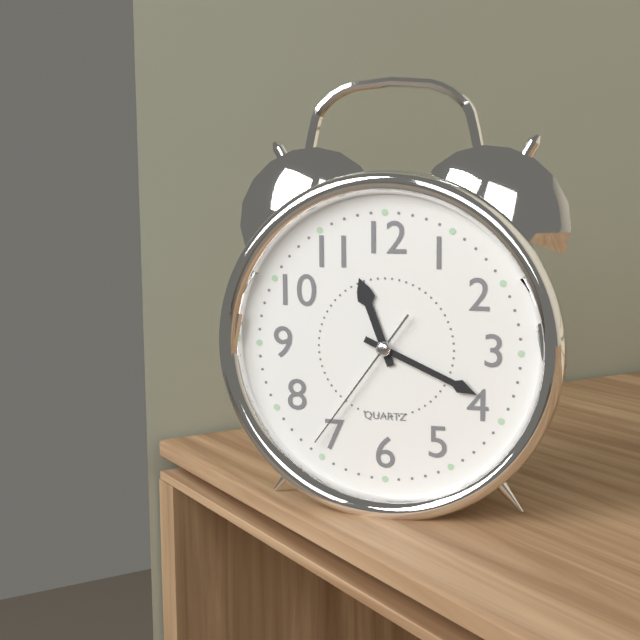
11:19:36
